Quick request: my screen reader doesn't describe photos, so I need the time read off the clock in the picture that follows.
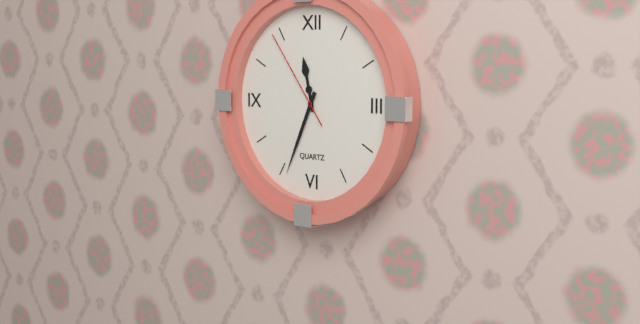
11:34:54
